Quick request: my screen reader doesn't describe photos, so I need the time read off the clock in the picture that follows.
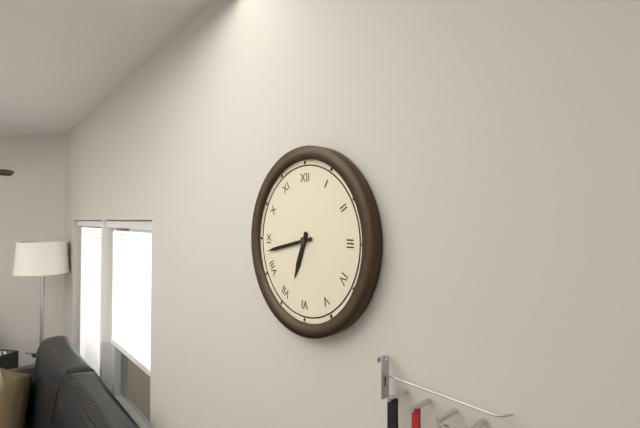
6:43
